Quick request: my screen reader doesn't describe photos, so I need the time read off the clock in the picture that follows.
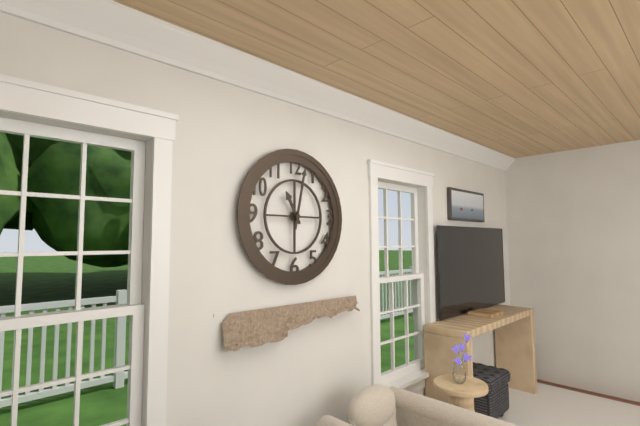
11:02
